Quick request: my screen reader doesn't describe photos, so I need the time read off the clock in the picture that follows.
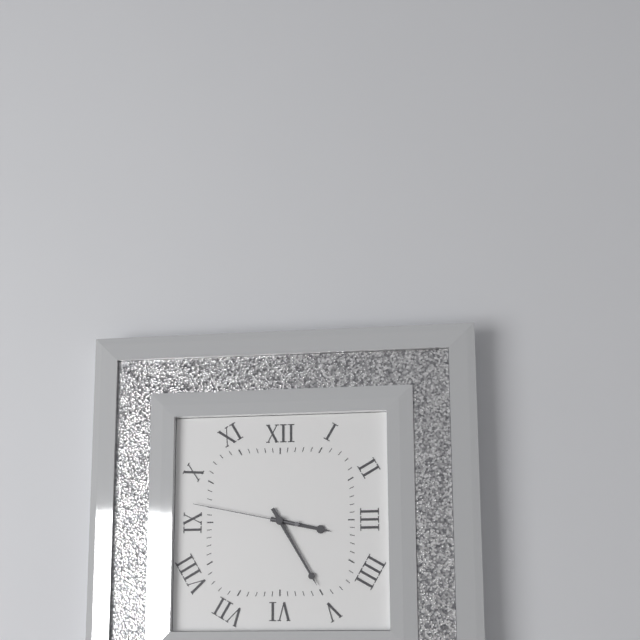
3:25:47
